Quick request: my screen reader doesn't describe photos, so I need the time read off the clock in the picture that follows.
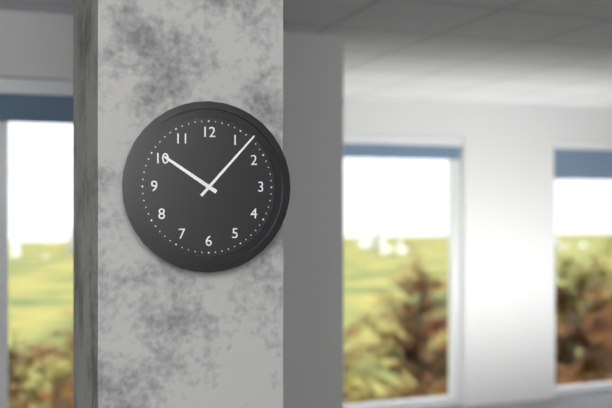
10:07
